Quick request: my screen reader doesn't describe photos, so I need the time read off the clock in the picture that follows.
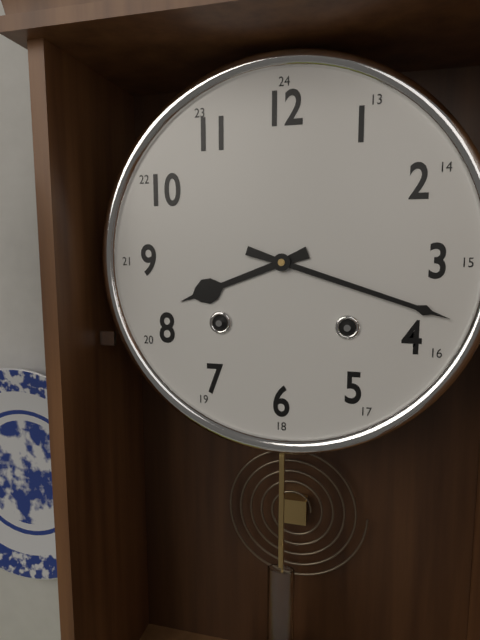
8:18
